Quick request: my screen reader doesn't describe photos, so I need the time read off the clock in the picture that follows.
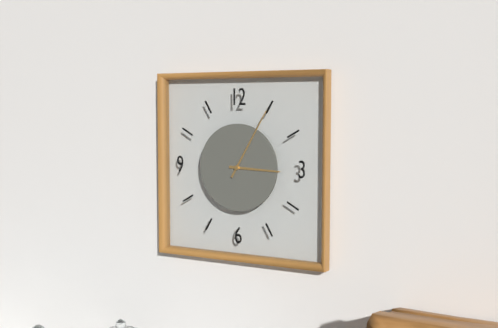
3:05
